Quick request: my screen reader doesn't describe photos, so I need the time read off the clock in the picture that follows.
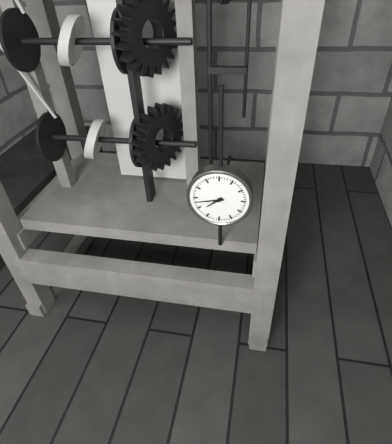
7:43
